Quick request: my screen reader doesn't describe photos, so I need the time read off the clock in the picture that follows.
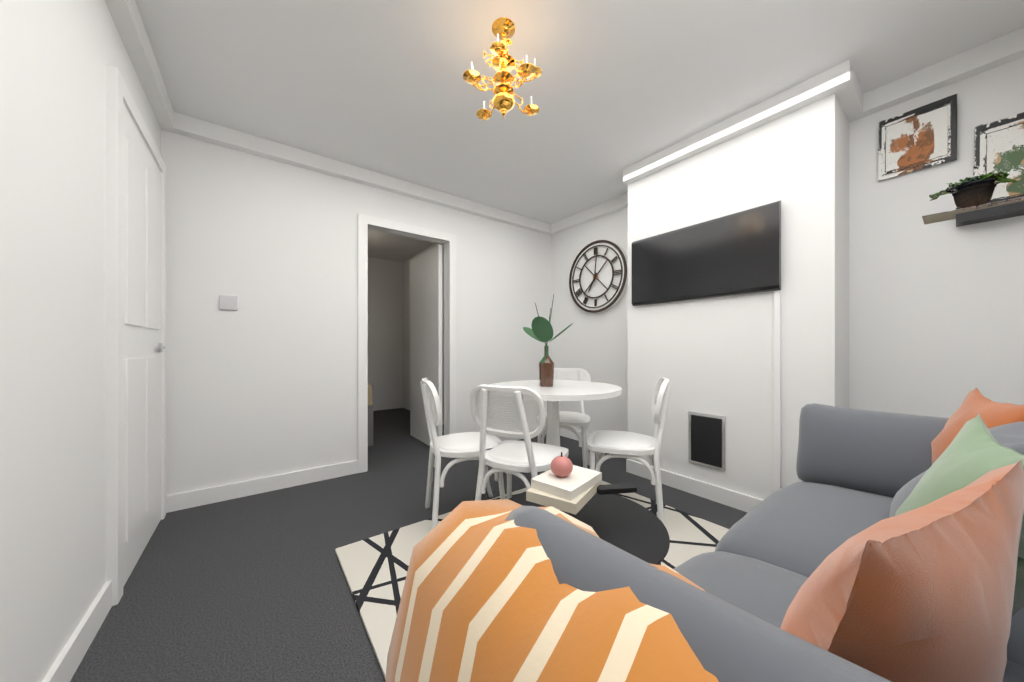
7:01
